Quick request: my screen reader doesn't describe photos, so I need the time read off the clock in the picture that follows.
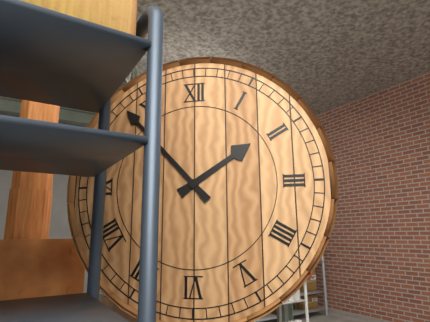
1:53
